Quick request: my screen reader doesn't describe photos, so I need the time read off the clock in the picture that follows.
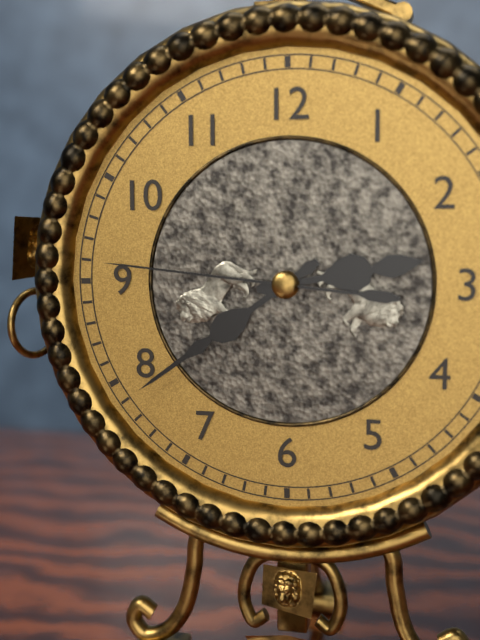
2:39:46
